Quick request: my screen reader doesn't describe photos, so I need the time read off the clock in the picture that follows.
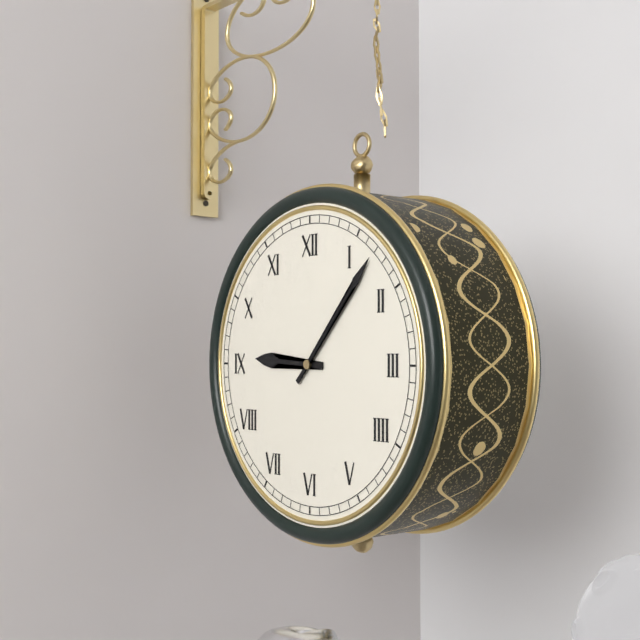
9:07
